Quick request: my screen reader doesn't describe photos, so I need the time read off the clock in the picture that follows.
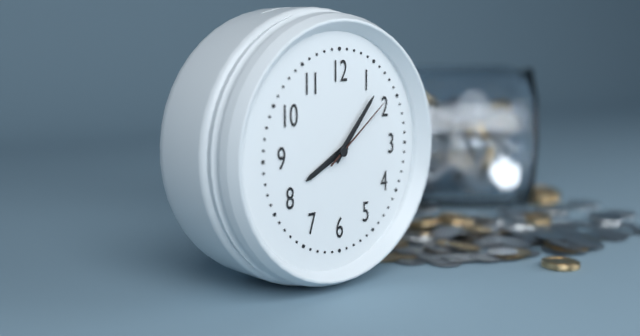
8:07:09
